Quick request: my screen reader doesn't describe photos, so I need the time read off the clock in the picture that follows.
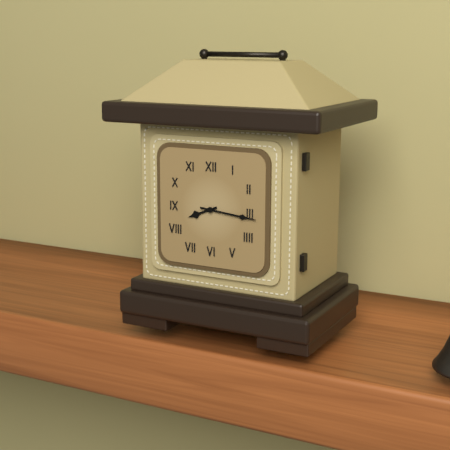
8:16
